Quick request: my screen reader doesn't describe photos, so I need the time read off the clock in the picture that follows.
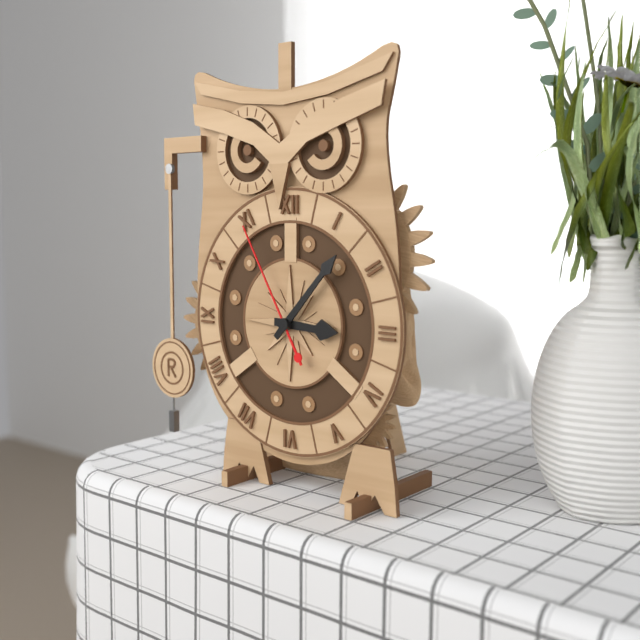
3:07:55
